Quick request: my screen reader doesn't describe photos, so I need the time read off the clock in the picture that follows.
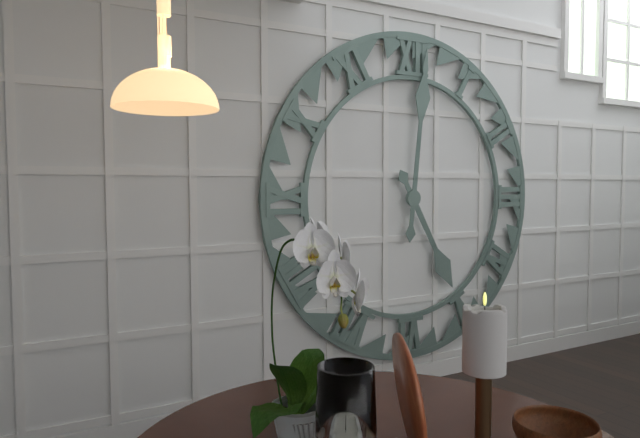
5:01
